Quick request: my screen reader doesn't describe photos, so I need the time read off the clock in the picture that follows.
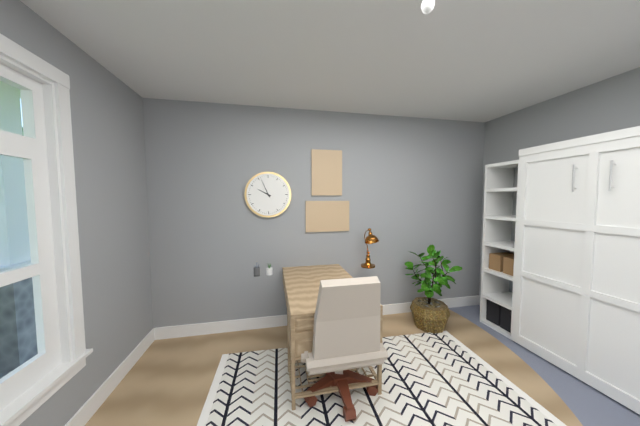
9:56
